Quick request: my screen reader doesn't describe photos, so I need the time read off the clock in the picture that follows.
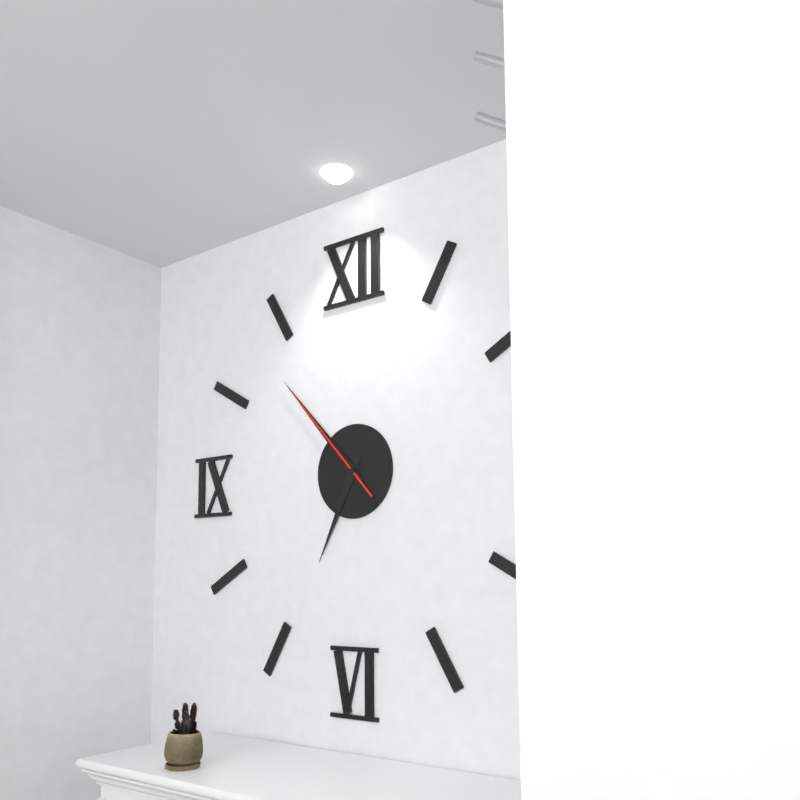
6:53:53
